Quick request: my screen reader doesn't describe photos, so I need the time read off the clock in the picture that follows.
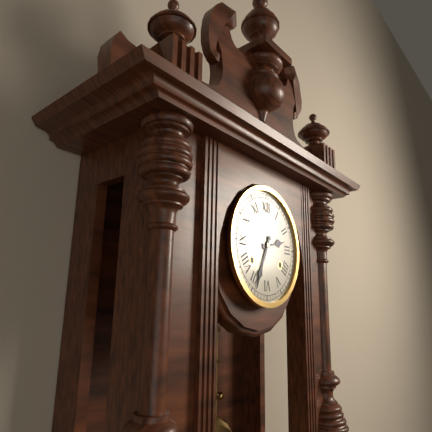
2:34
